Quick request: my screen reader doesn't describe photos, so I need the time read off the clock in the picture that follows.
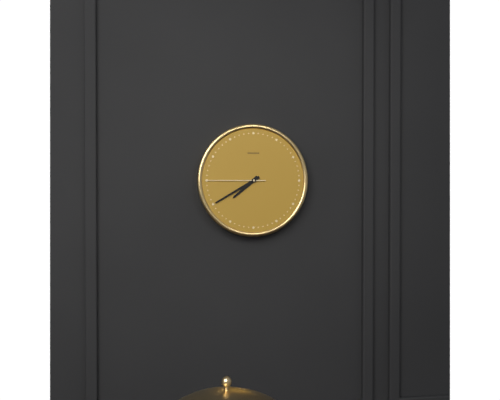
7:40:45
